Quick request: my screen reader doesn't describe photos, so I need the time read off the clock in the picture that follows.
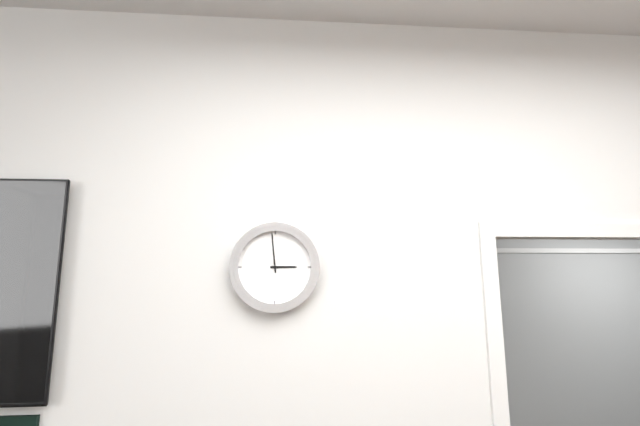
2:59
